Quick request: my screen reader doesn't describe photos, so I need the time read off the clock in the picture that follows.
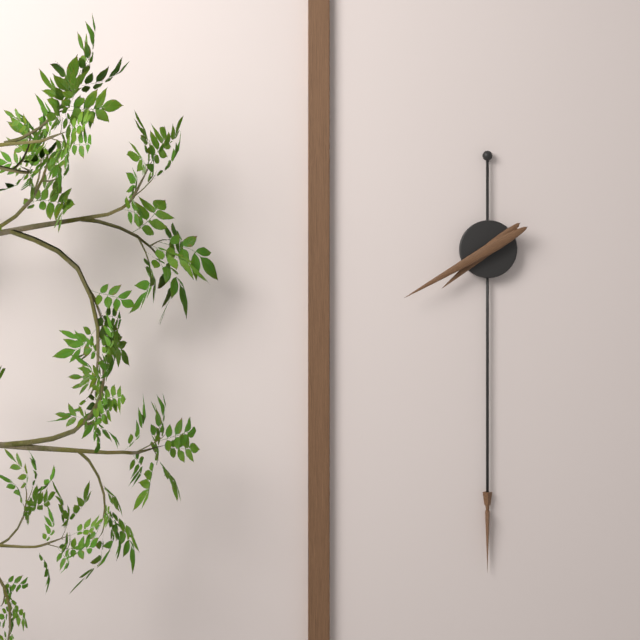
7:40
